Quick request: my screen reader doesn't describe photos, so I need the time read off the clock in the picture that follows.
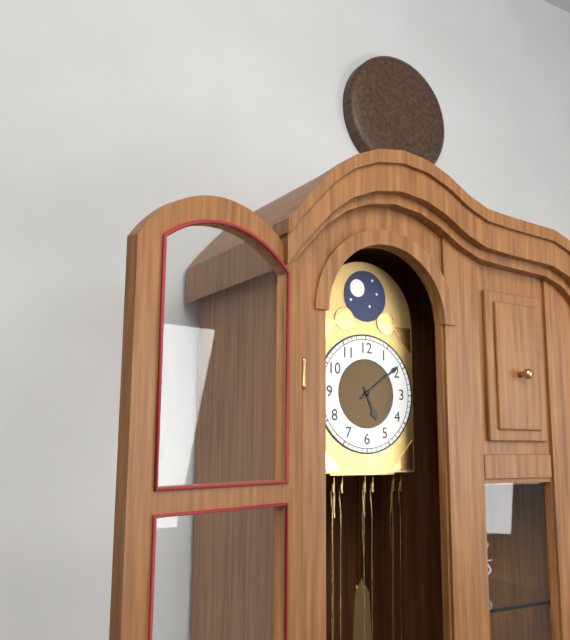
5:09
